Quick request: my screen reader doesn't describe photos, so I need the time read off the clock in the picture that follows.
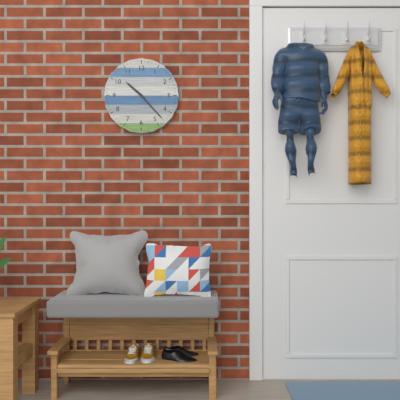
10:23
